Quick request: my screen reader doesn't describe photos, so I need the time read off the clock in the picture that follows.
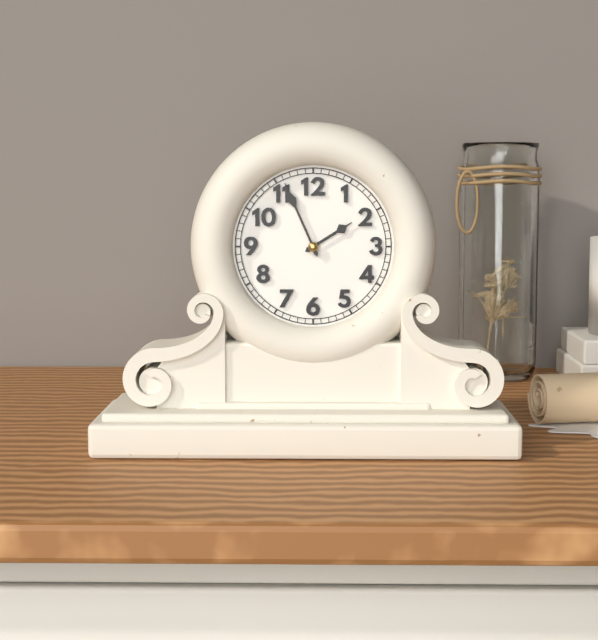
1:56
